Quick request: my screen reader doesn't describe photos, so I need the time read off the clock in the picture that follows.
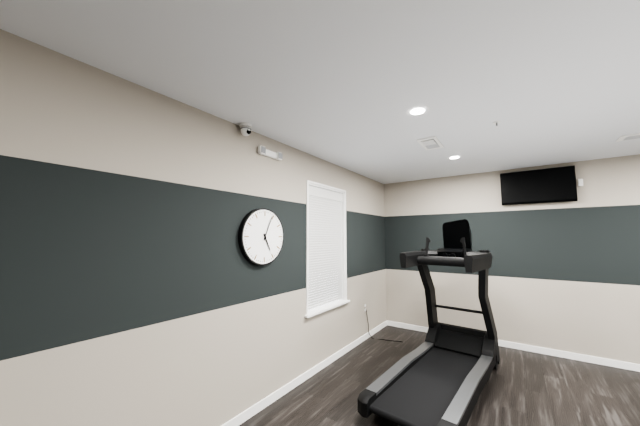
5:04
